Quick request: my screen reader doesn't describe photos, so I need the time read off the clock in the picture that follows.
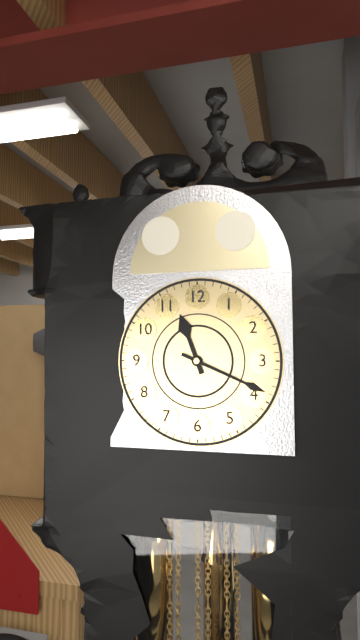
11:19
